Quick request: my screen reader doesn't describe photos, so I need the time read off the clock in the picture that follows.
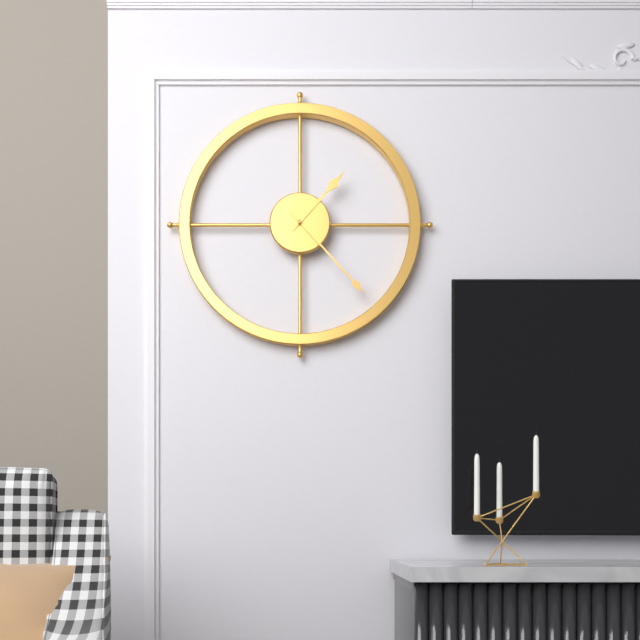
1:23
